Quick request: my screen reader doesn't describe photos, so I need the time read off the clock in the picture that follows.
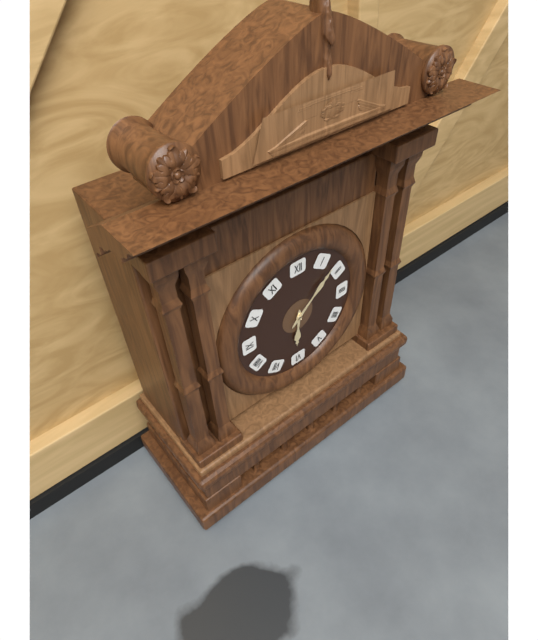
6:08
